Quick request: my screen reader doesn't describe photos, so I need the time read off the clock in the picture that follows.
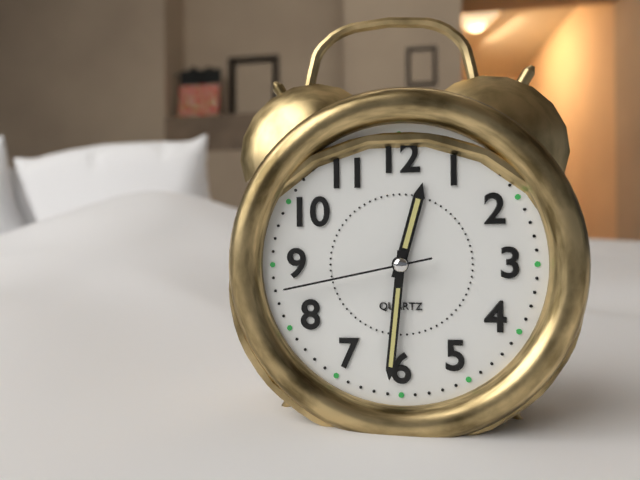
12:31:43
